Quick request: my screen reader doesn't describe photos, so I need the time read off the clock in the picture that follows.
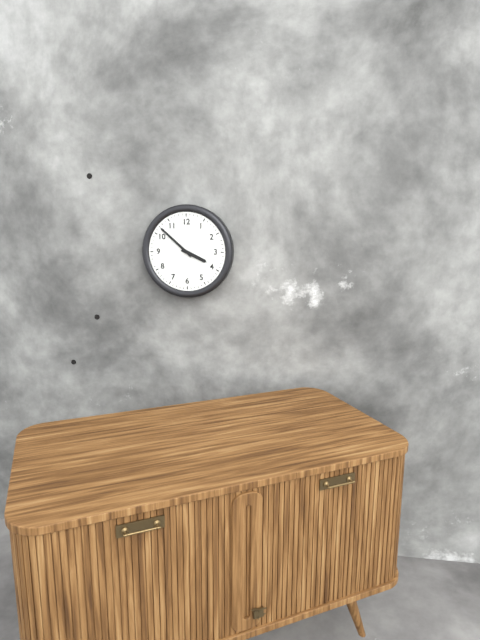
3:52
